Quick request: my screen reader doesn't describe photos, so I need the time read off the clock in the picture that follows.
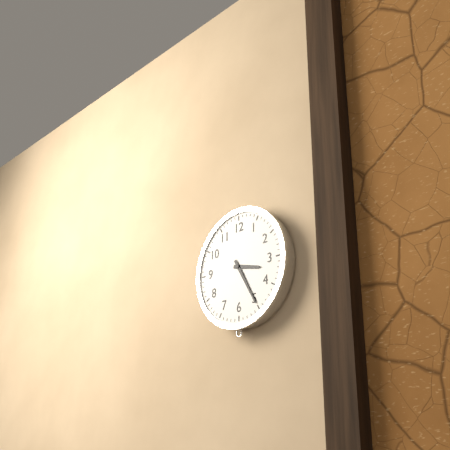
3:25
